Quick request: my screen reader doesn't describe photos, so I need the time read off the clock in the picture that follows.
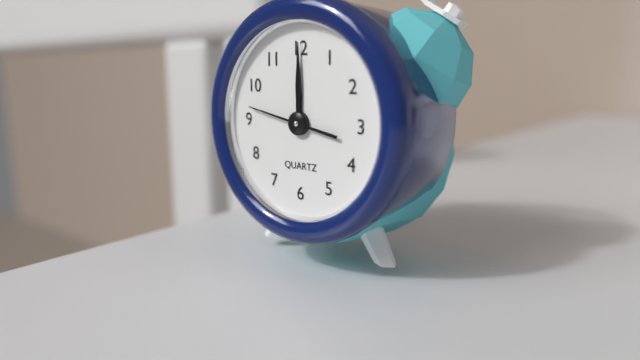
12:00:47
